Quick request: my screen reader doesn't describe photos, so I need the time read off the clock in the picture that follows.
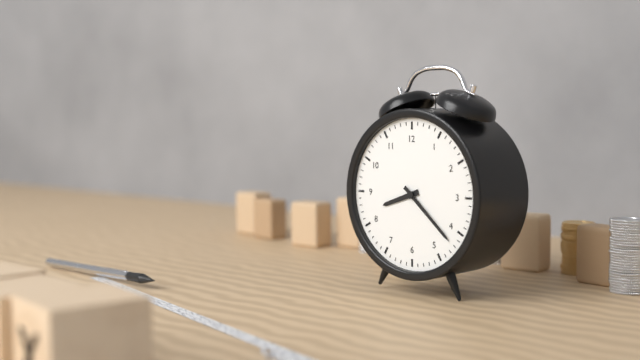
8:22
